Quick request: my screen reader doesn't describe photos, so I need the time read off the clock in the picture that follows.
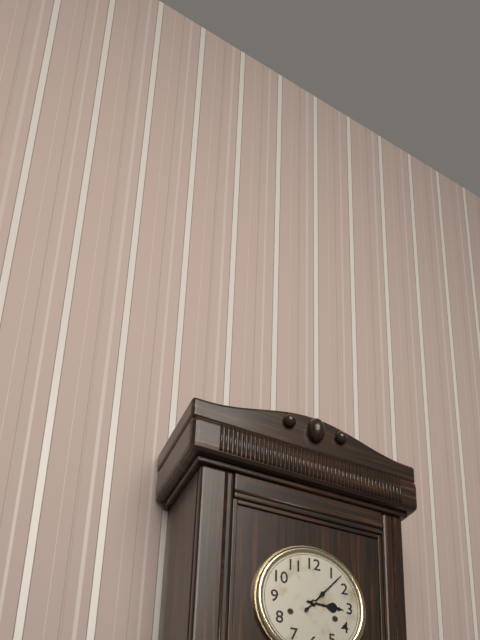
3:07
